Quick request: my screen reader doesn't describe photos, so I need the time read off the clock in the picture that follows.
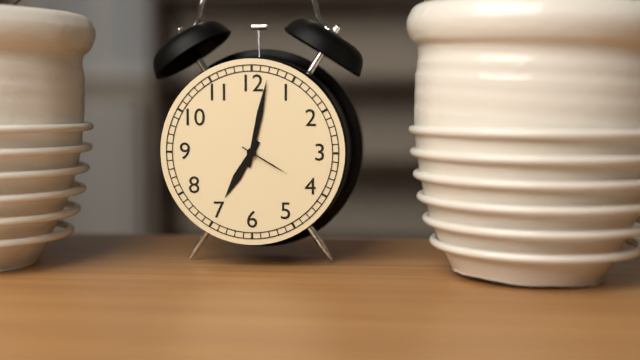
7:02:20
